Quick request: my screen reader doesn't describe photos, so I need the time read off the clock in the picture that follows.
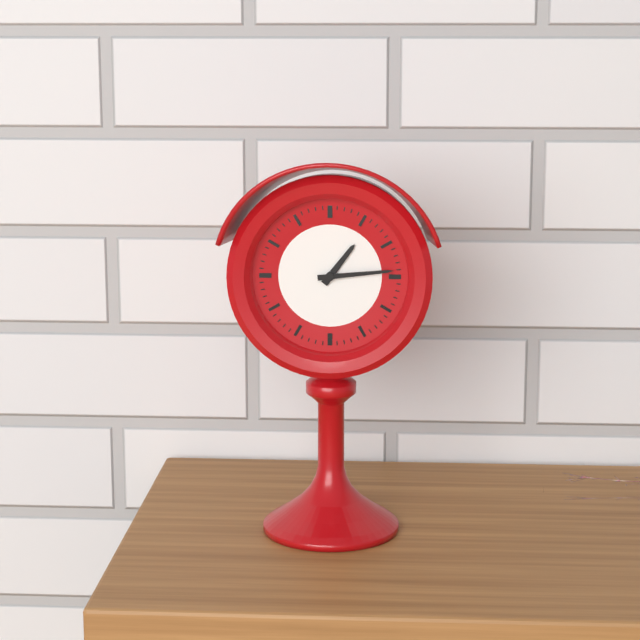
1:14
